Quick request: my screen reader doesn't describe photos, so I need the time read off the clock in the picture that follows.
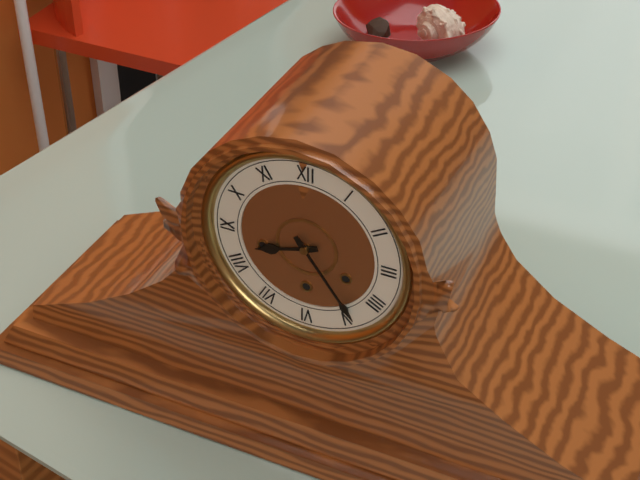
8:24
